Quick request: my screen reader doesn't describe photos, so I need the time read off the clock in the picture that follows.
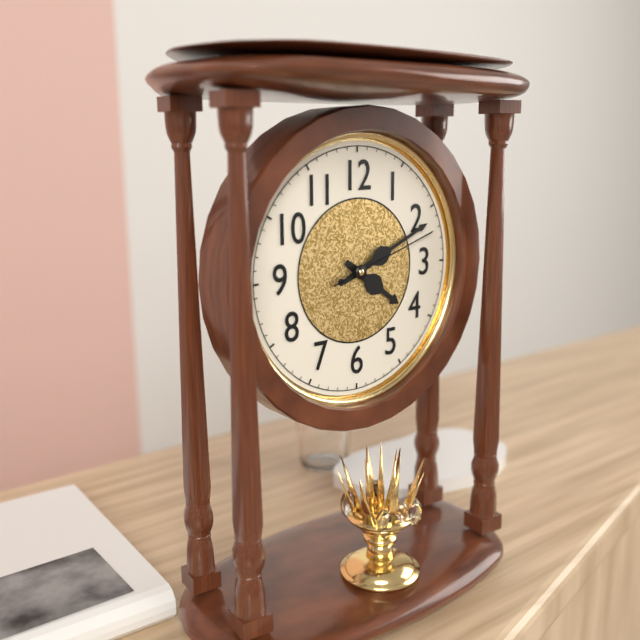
4:11:12
